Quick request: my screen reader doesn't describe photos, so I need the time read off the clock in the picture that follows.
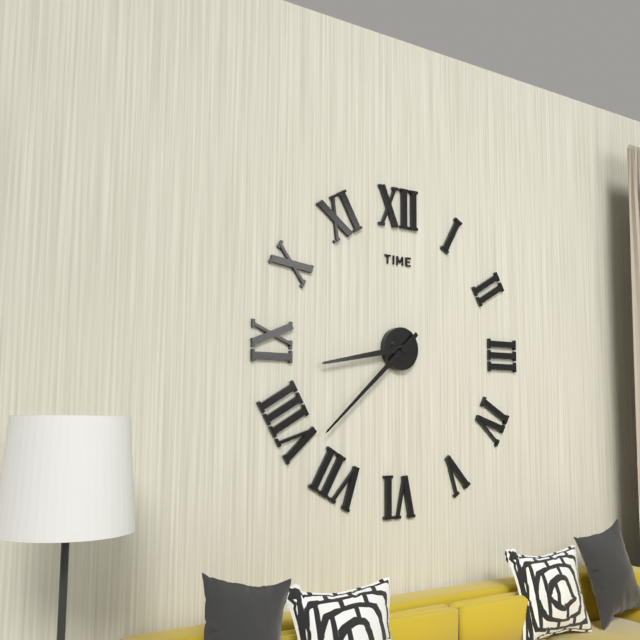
8:38
